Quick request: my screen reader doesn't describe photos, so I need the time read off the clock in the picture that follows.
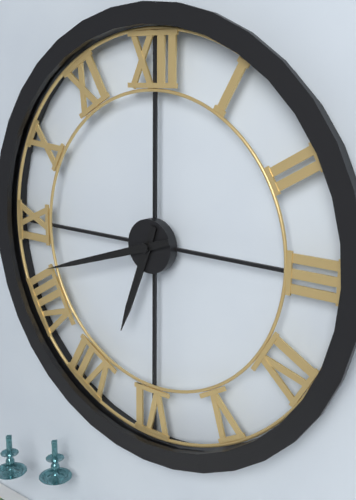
6:42
